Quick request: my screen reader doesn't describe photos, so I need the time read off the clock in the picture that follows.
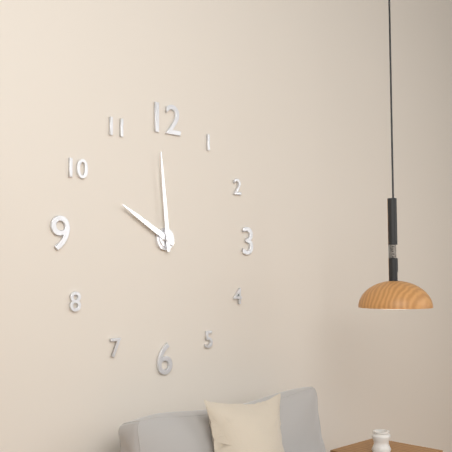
9:59
